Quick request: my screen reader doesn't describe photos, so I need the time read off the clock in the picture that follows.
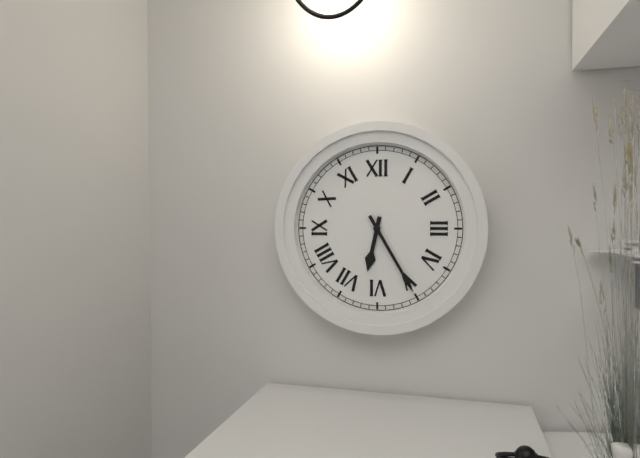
6:25
